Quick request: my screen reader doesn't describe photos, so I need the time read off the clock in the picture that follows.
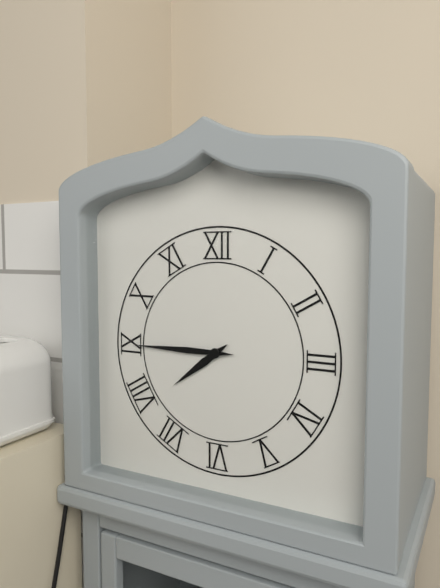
7:45
